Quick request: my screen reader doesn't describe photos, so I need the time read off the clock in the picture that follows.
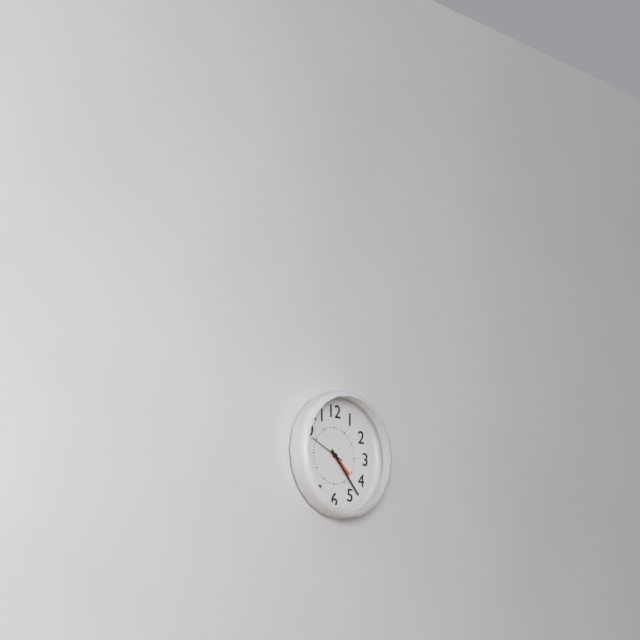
4:23
